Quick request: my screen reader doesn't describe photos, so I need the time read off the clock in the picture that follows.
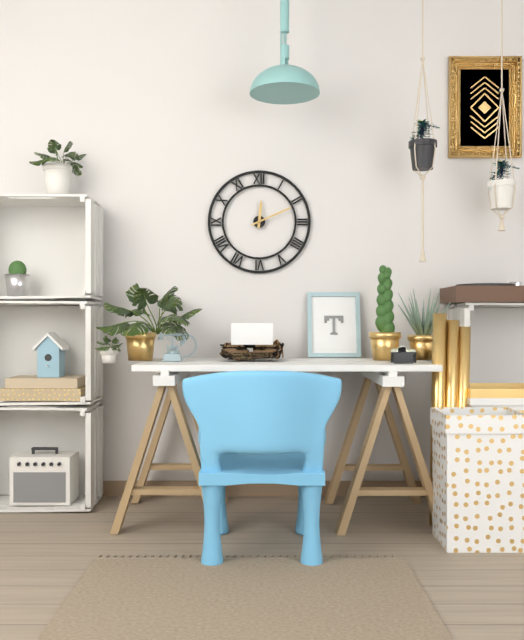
12:11
